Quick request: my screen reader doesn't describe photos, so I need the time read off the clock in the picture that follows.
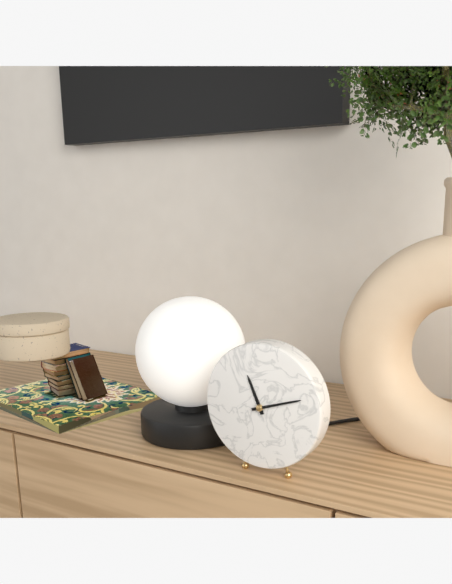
11:12
